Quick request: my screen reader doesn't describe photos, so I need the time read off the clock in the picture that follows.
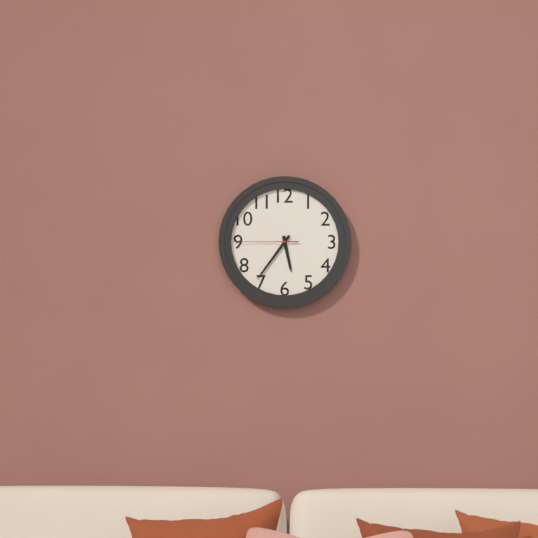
5:36:45
